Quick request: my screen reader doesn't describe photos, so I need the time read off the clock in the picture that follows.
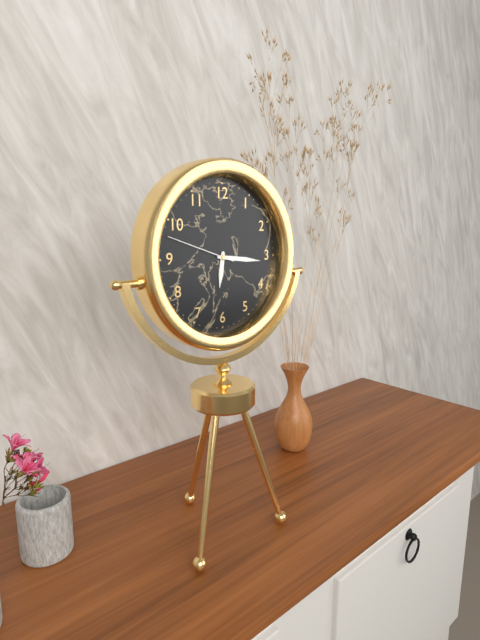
6:16:48
